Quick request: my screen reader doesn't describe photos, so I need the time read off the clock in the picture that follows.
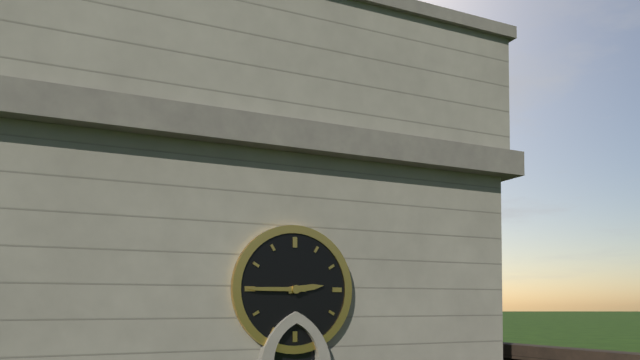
2:45
